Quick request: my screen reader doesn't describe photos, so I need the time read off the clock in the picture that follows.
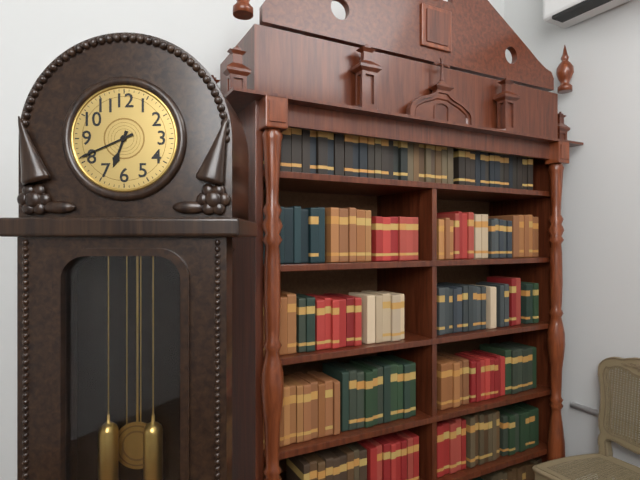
6:41
